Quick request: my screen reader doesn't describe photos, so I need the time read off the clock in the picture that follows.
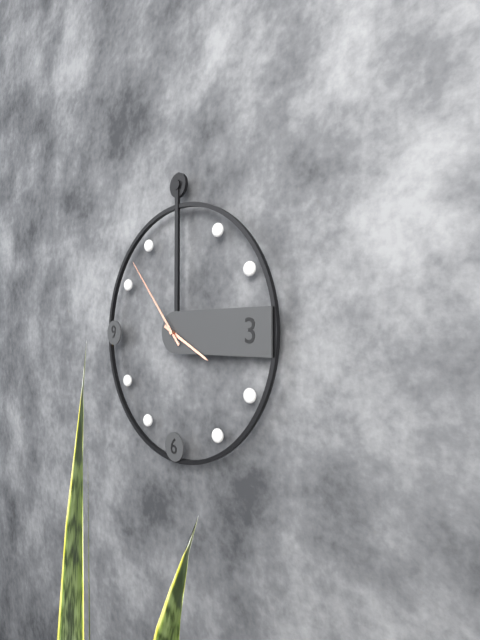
3:53
